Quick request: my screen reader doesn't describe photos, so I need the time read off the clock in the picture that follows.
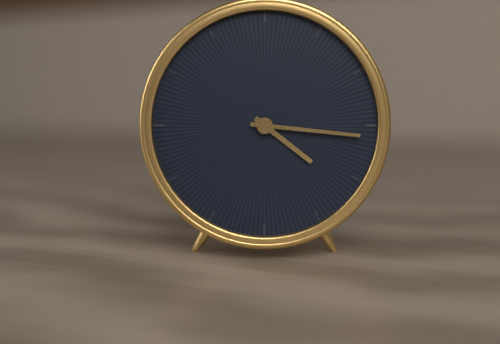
4:16
